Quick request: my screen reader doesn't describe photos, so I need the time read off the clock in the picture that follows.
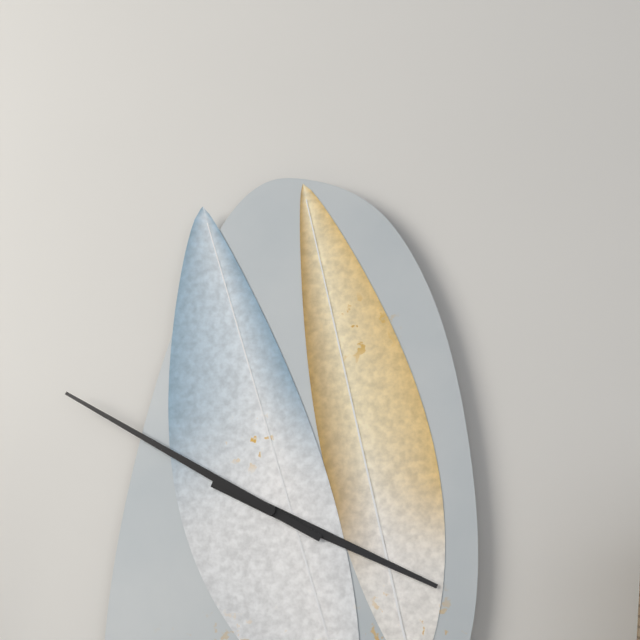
3:50
